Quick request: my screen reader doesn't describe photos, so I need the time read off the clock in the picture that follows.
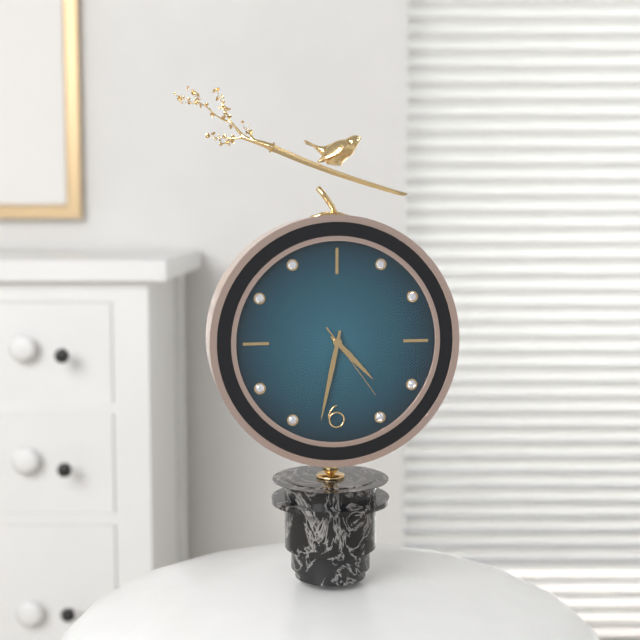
4:32:24
